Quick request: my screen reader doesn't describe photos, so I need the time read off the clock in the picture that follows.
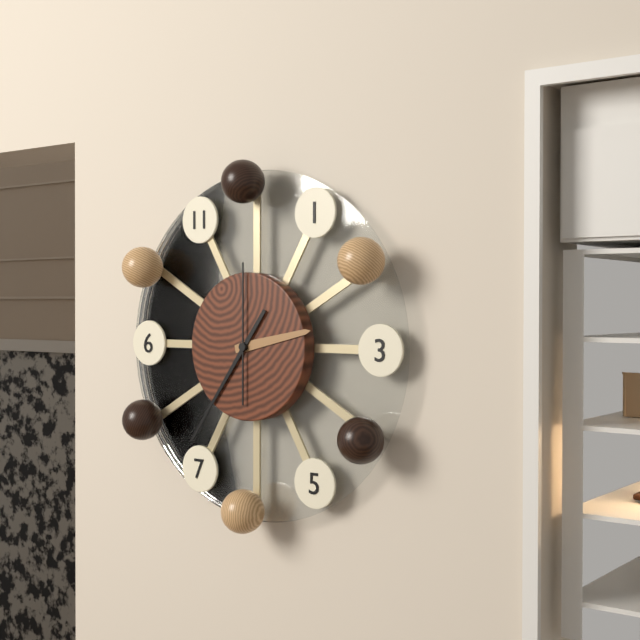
2:36:00
